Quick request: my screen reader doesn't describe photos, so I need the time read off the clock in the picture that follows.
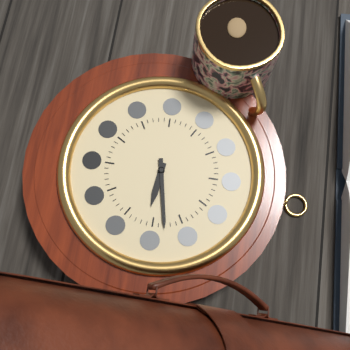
3:13
